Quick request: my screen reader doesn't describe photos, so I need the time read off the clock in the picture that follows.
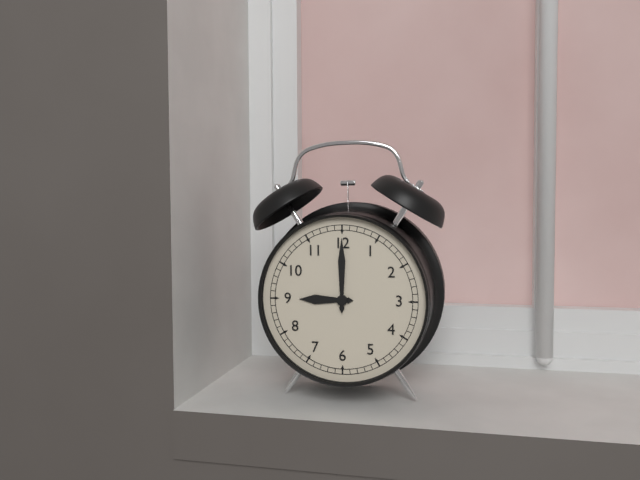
9:00
